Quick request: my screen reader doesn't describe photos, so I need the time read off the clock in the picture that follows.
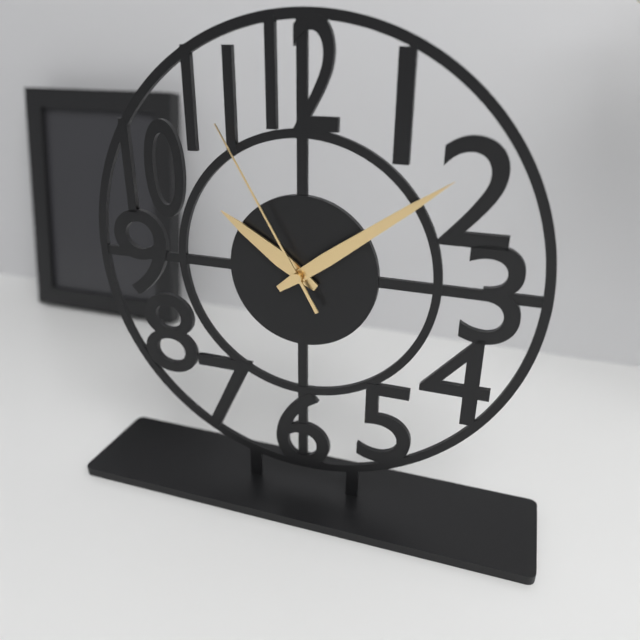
10:09:55
